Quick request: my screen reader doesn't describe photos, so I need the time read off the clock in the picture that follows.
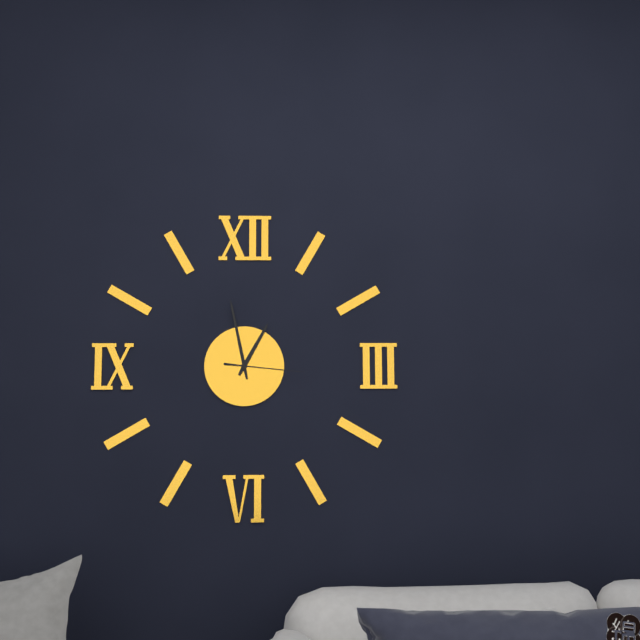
12:58:16
